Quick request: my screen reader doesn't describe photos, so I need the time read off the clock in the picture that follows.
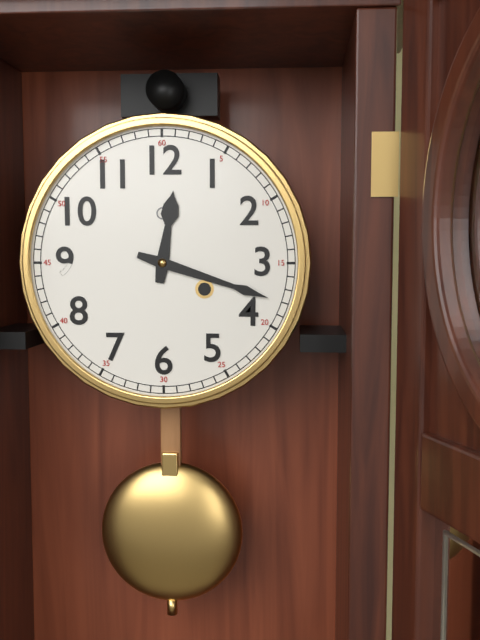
12:18
